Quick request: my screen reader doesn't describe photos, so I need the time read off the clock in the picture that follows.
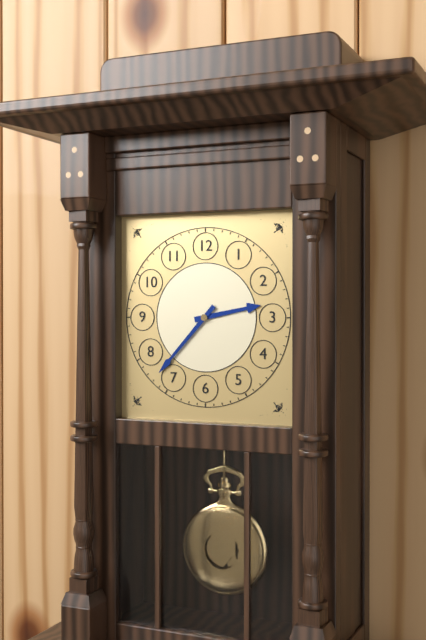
2:37
